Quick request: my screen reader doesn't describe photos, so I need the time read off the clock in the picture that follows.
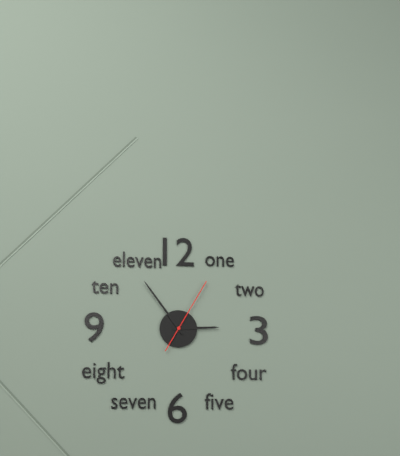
2:54:05
